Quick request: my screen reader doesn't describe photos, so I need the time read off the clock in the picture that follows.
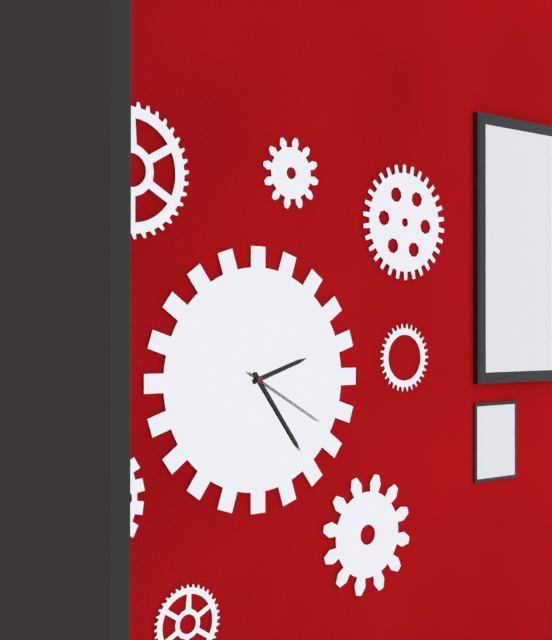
2:24:20
